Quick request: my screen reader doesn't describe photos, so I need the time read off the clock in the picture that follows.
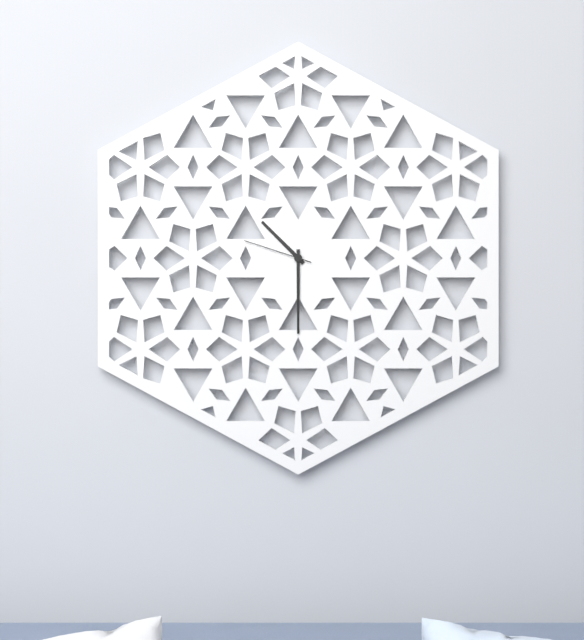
10:30:48
